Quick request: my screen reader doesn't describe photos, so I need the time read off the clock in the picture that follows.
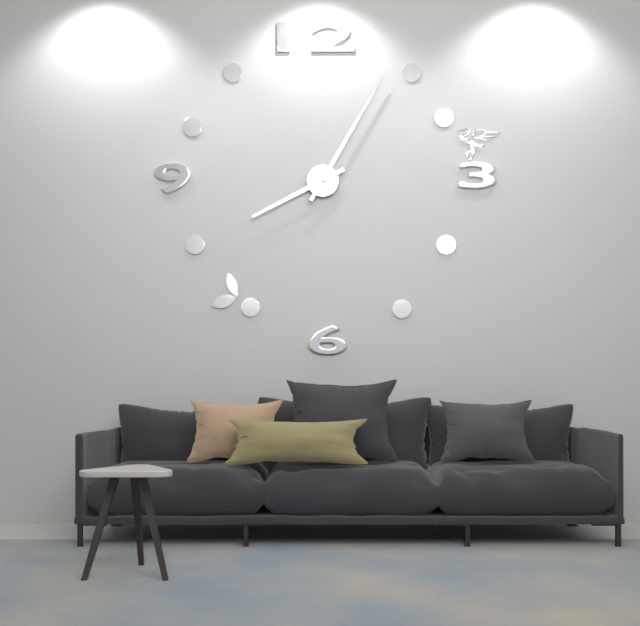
8:05
